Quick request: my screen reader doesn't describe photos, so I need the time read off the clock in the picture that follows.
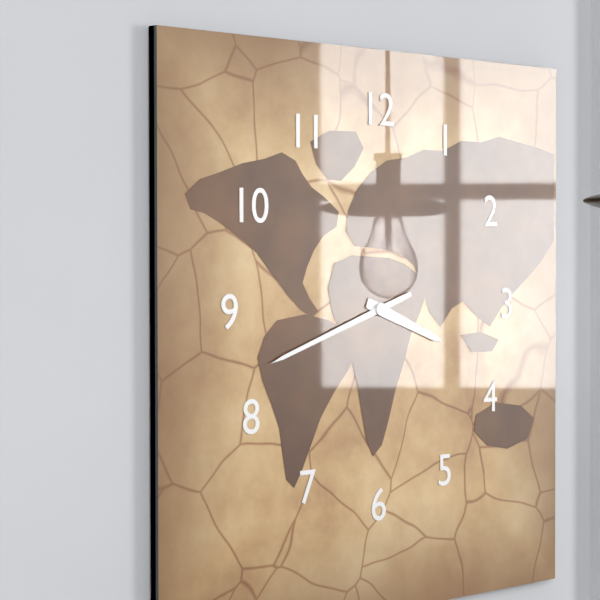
3:42
